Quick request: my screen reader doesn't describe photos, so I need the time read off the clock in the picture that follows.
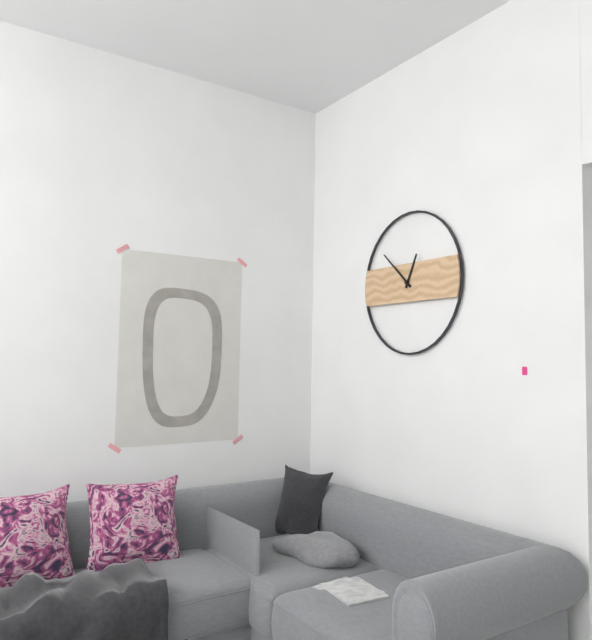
12:52
